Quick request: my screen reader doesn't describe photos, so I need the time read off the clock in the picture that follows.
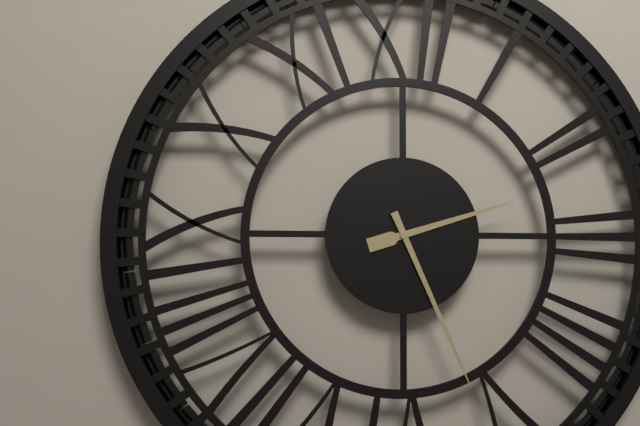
2:26
